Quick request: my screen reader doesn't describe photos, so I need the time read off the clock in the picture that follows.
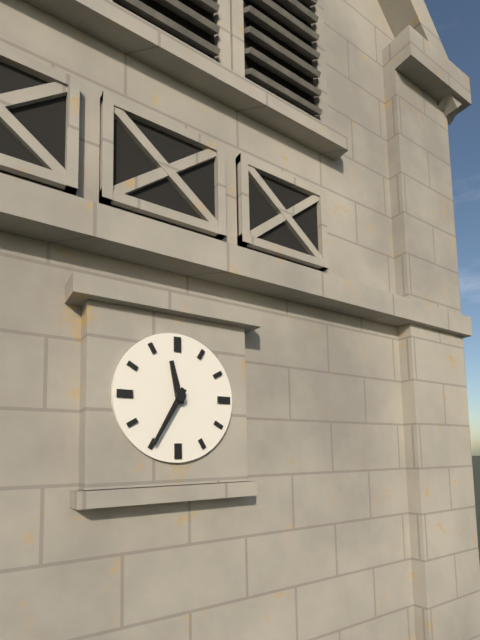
11:35
